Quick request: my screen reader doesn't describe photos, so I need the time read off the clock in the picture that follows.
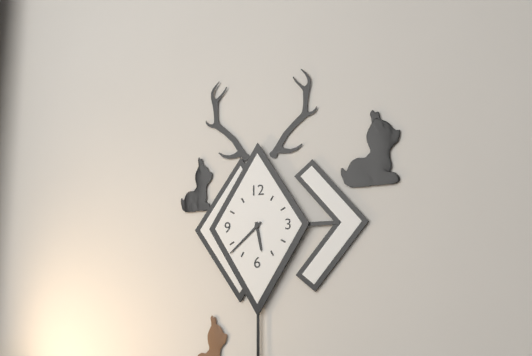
5:38
